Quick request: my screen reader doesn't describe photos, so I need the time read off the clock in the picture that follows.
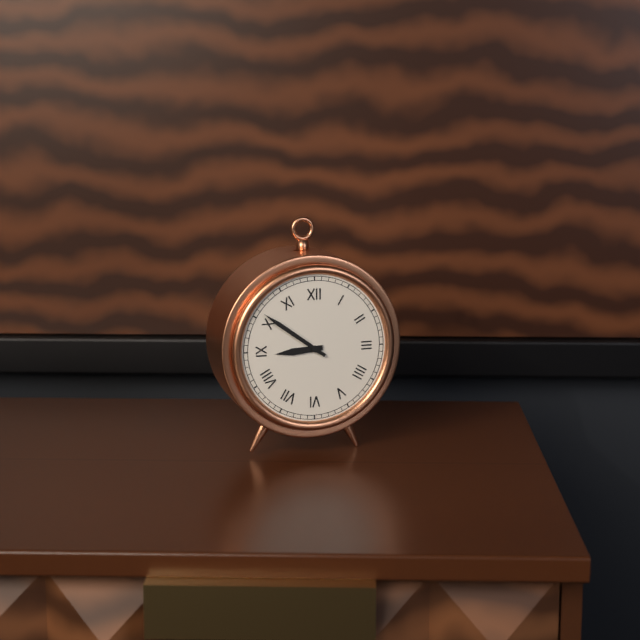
8:51
